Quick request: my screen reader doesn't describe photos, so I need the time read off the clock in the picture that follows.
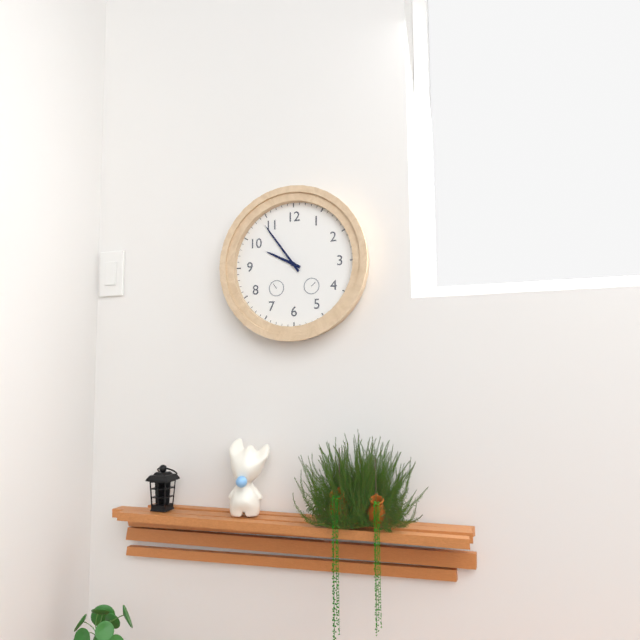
9:54
